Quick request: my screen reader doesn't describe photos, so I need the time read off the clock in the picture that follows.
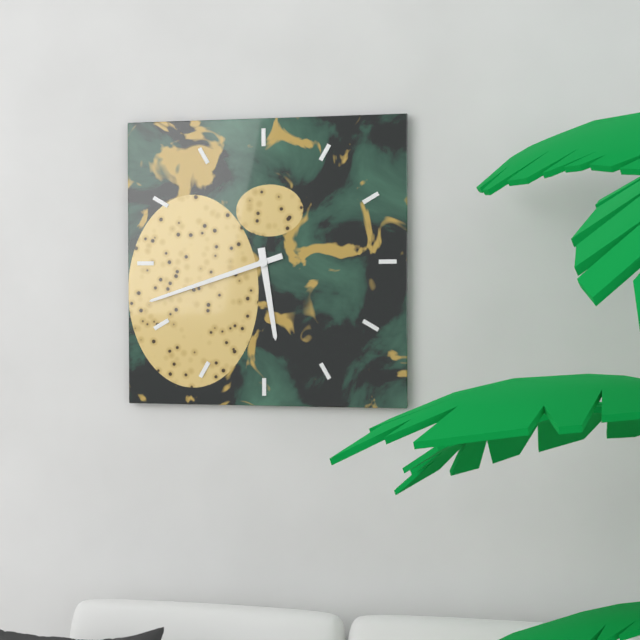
5:42
